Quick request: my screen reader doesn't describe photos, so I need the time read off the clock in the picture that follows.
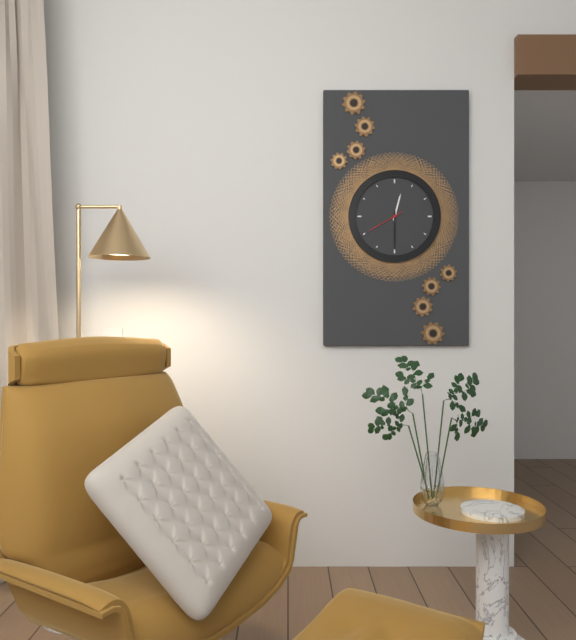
12:30
